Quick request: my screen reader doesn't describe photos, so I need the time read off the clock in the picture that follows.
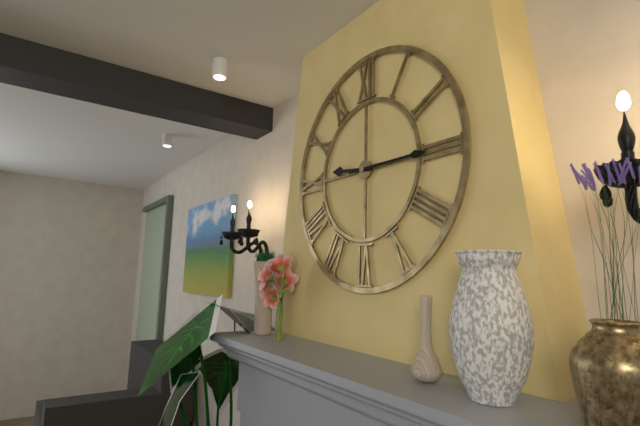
9:15
